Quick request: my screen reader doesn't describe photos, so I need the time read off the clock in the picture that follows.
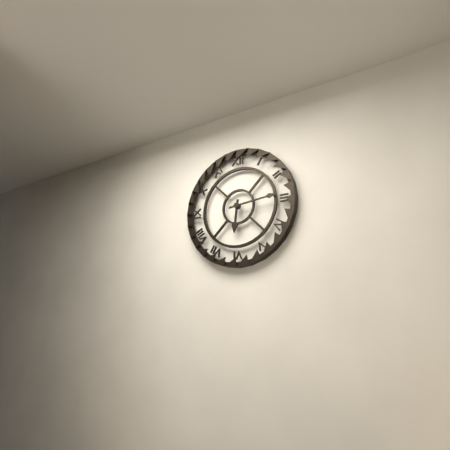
6:14
